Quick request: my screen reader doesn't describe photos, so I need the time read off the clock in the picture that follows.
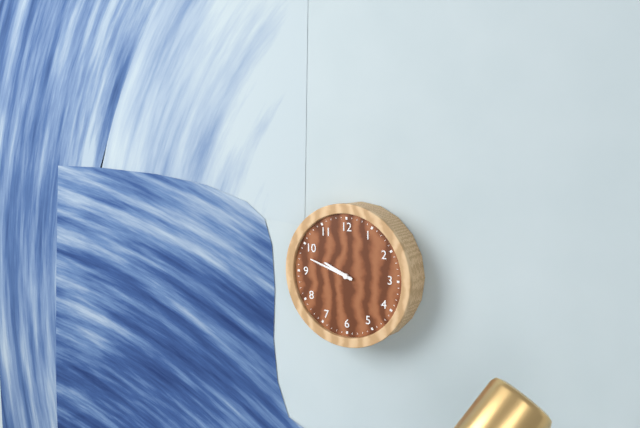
9:48
